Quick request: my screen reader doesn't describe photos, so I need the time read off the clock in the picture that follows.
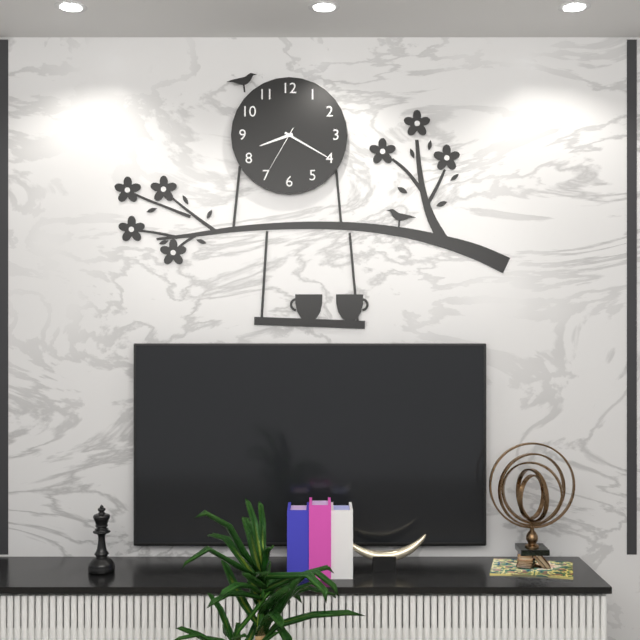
8:20:35
